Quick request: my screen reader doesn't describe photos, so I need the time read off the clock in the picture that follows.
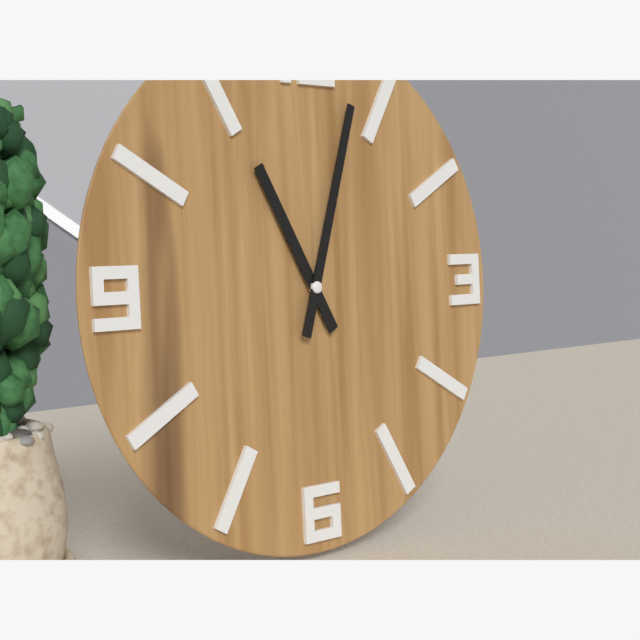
11:03
